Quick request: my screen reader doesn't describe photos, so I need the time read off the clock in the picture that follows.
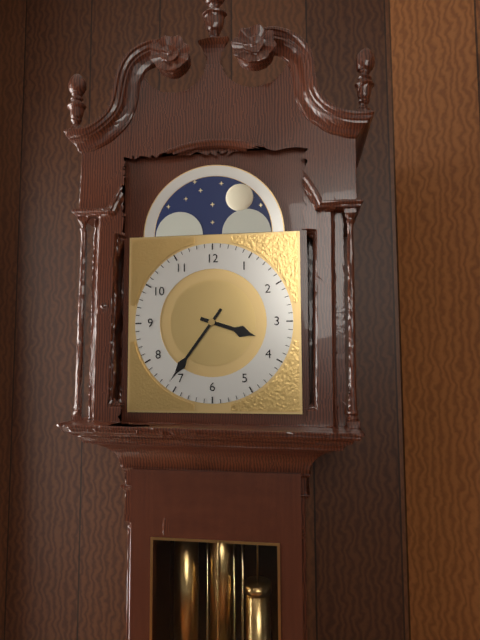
3:36
